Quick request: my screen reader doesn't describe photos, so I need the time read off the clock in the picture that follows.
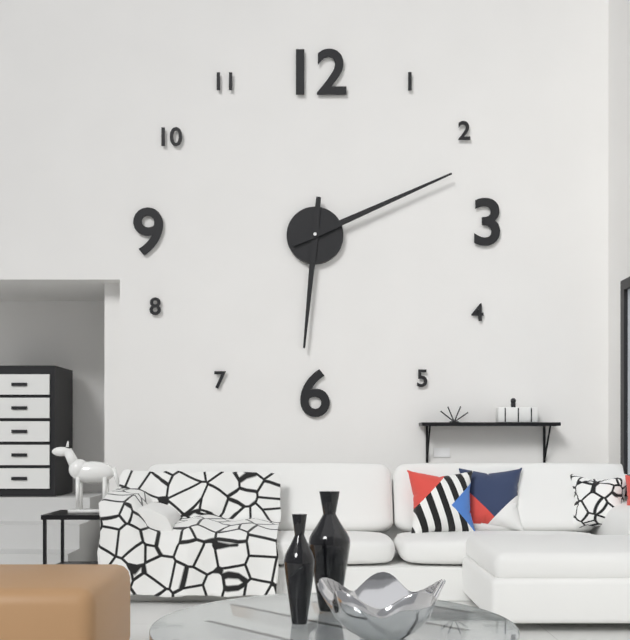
6:11
